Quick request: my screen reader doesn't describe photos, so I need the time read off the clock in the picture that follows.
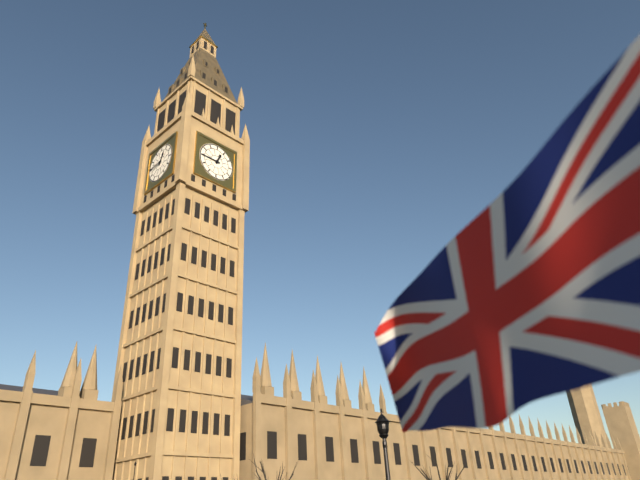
12:45
